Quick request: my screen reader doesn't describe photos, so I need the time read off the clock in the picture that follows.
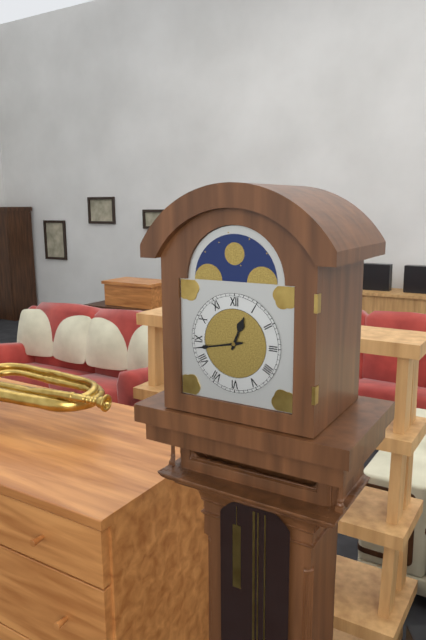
12:43
